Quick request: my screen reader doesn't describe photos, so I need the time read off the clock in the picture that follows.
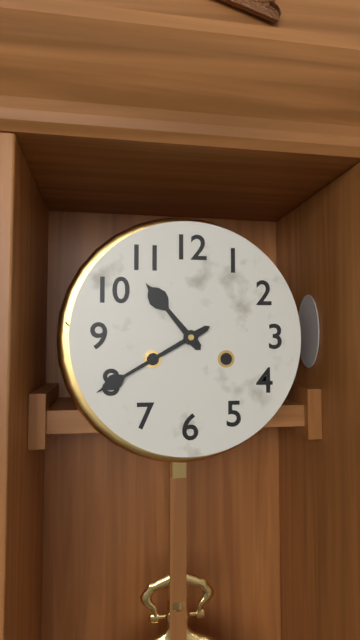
10:40
